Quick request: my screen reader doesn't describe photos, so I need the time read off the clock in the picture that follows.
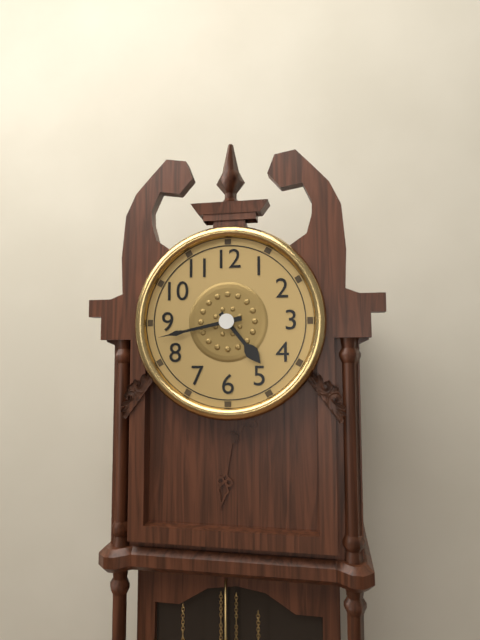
4:43
